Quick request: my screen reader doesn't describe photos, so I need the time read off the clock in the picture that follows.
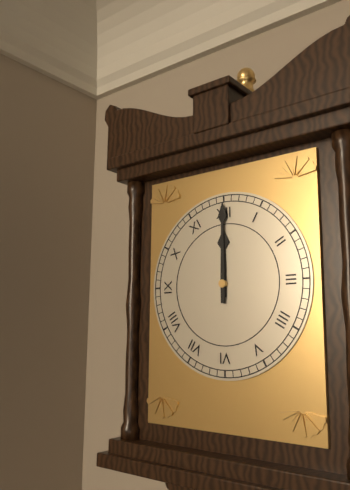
12:00
